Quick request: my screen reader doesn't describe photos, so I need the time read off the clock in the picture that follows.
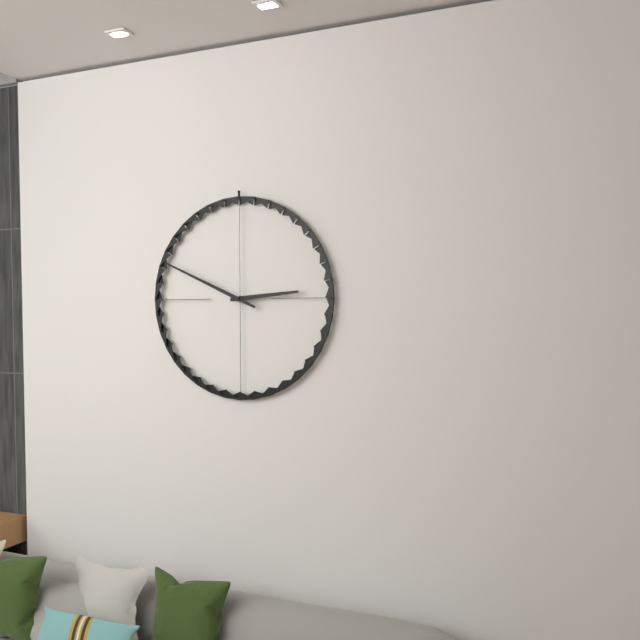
2:49
